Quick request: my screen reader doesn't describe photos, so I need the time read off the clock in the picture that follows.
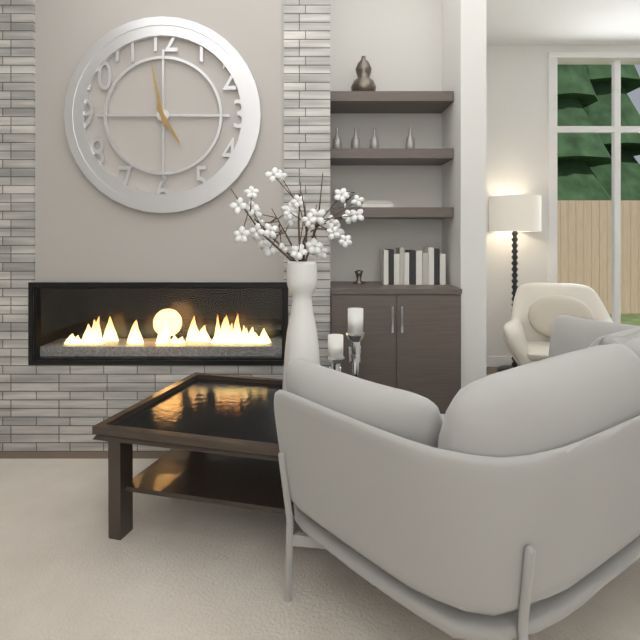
4:58
